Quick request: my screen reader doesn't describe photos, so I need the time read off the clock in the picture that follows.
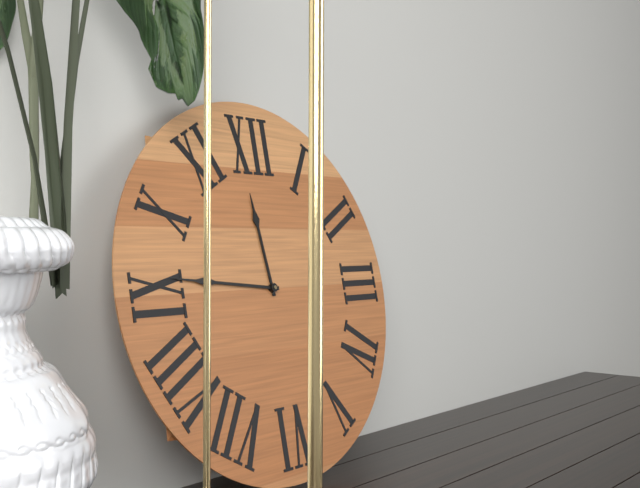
11:46
